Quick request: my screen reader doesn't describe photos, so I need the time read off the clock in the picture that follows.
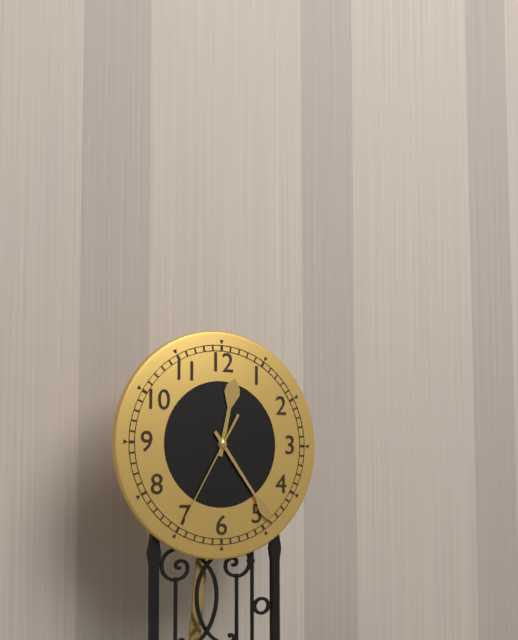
12:24:35
